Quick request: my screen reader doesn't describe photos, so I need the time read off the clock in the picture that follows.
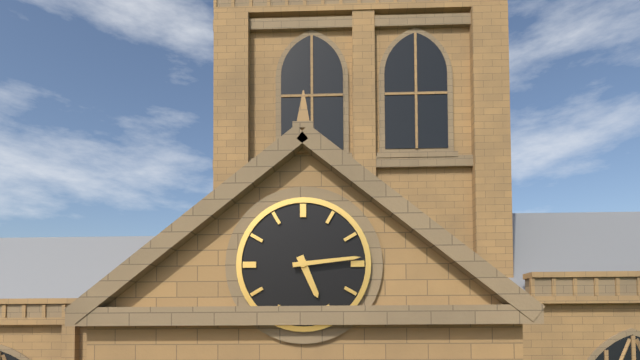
5:14
